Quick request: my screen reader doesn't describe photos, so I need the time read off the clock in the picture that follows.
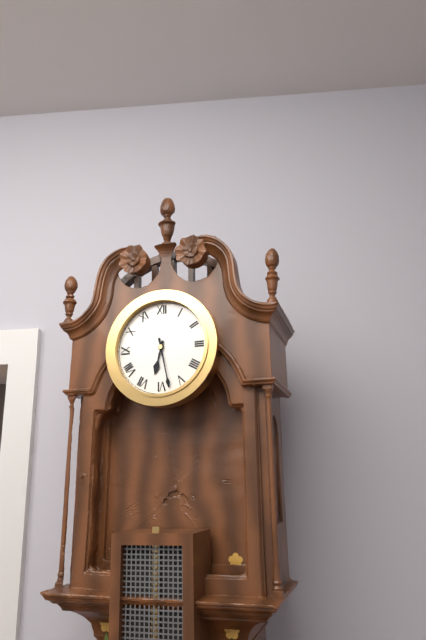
6:28
